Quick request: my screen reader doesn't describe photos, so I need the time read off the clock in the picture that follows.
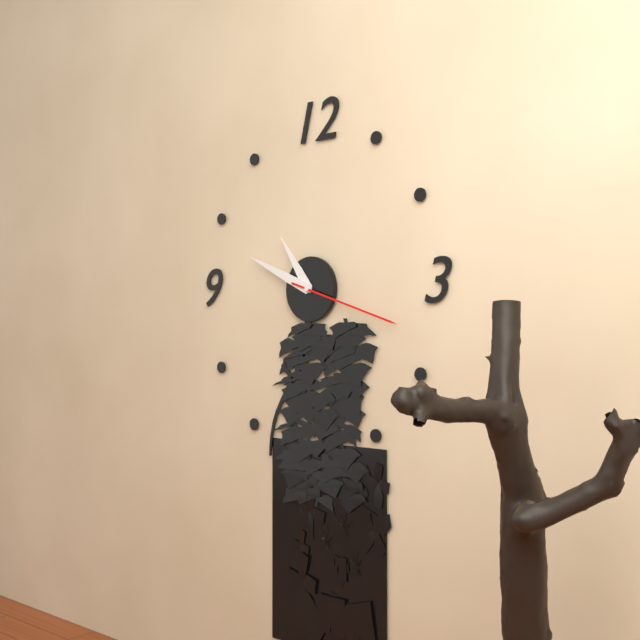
10:49:18
